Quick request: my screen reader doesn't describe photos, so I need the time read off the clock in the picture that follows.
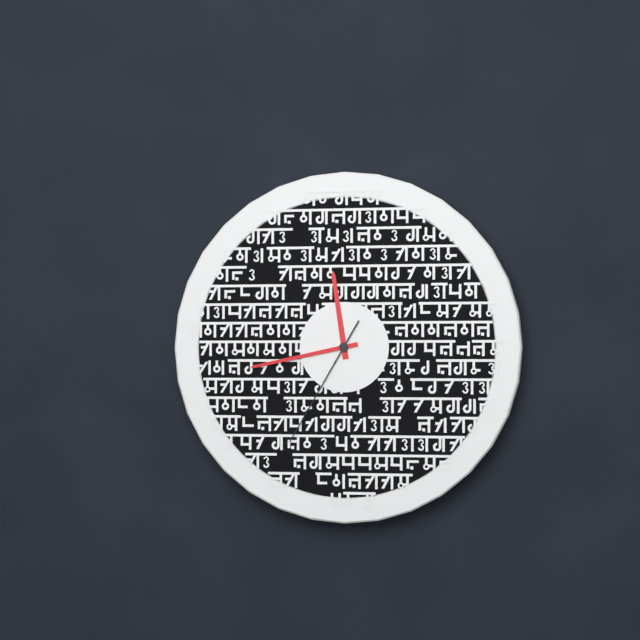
11:43:35
